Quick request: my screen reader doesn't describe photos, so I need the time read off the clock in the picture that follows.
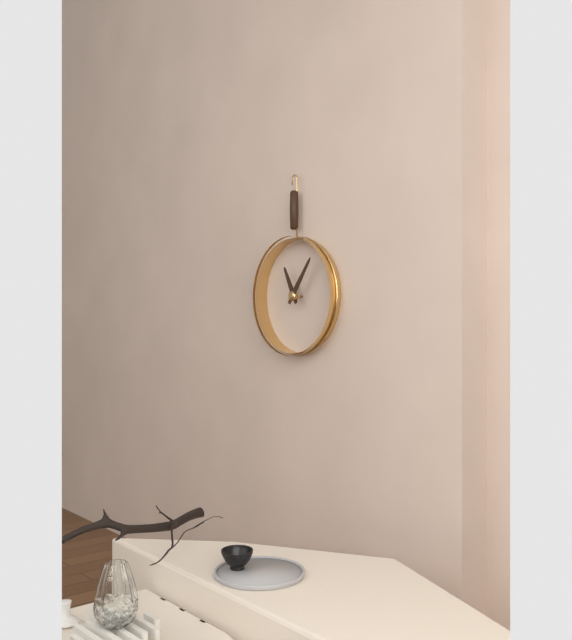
11:06
